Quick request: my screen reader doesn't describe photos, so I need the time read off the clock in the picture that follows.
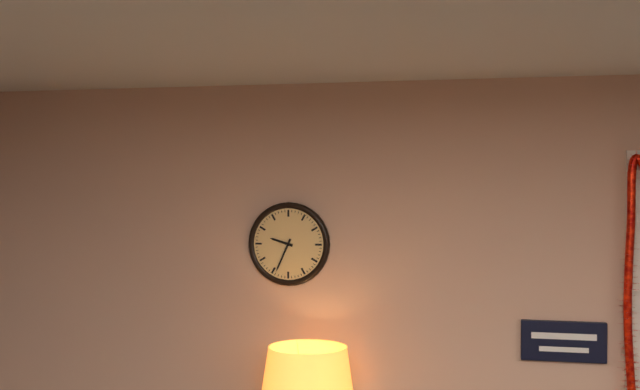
9:34
